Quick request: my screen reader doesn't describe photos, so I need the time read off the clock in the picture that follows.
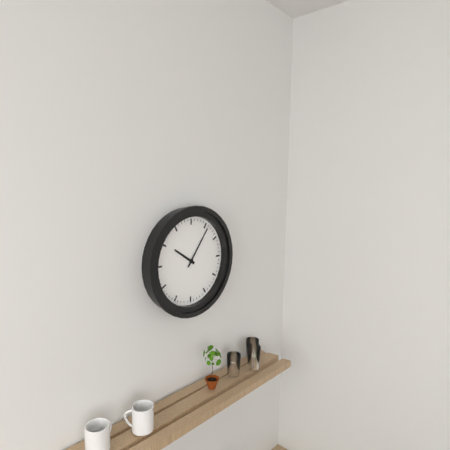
10:06
